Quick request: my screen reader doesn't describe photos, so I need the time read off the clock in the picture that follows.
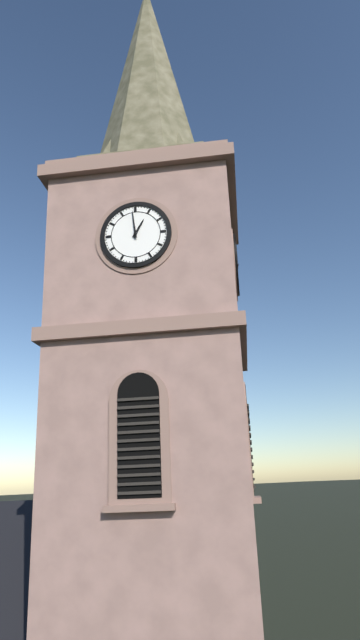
12:59
